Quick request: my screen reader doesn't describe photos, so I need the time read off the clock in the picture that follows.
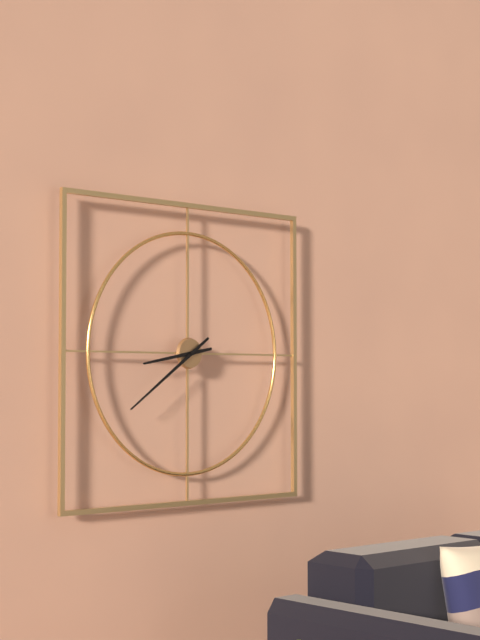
8:39
